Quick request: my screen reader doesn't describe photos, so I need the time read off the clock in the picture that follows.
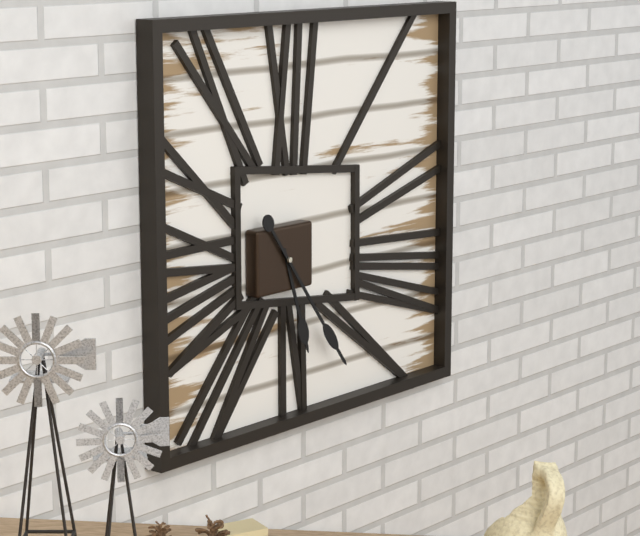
5:24
